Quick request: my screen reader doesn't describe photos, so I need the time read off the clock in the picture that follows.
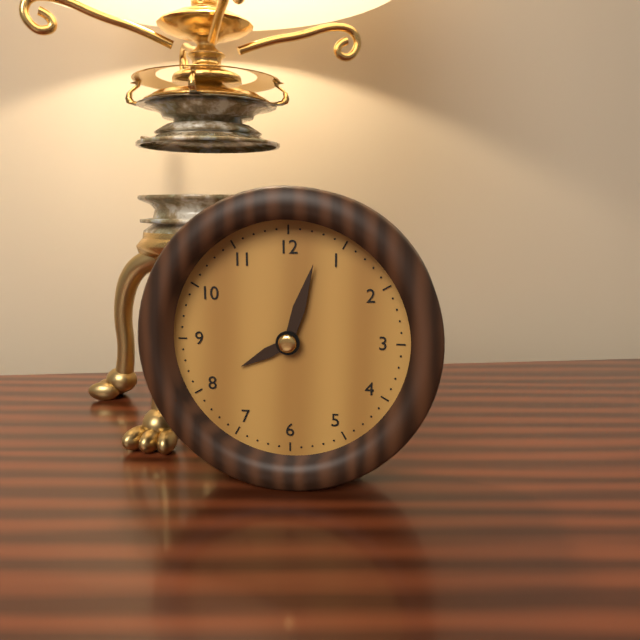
8:03
